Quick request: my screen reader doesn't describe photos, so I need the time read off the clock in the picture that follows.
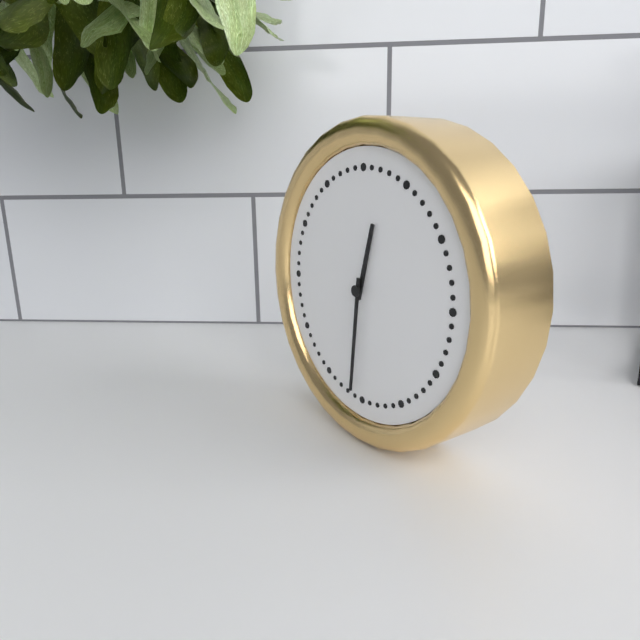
12:31
